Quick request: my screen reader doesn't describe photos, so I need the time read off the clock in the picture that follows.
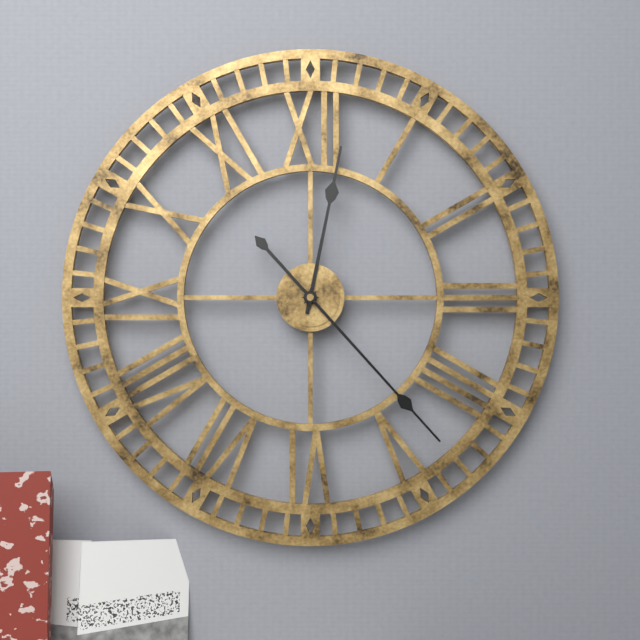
12:23
